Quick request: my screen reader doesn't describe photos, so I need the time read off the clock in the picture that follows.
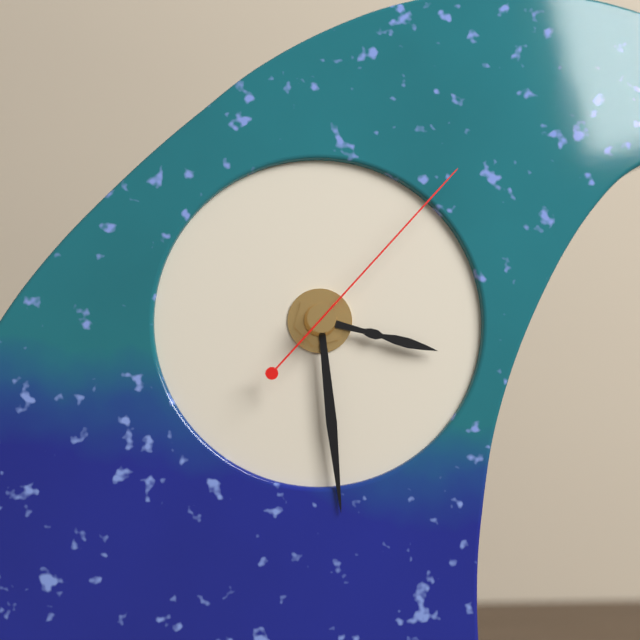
3:29:07
